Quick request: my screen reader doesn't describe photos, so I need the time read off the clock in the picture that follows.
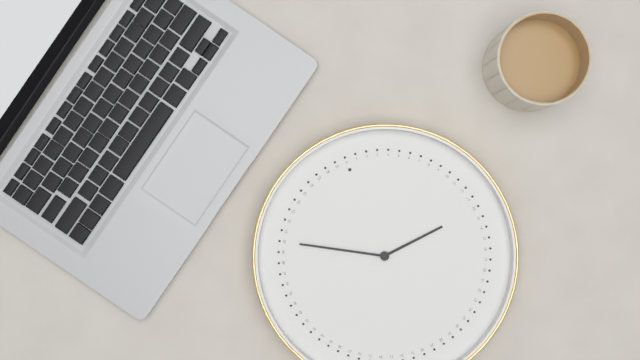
2:50
